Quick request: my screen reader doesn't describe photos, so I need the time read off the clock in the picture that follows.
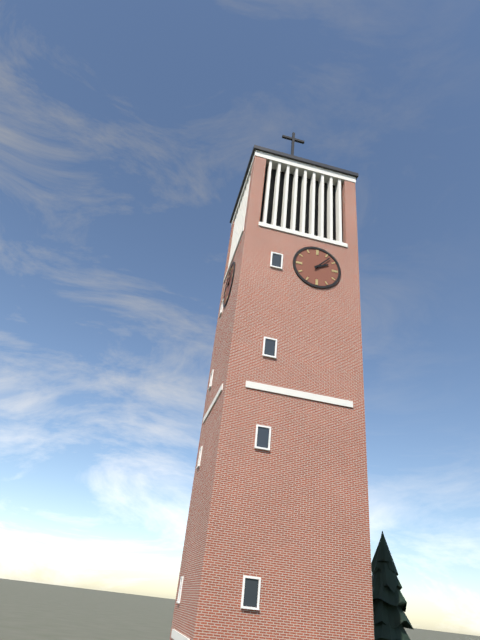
2:07
